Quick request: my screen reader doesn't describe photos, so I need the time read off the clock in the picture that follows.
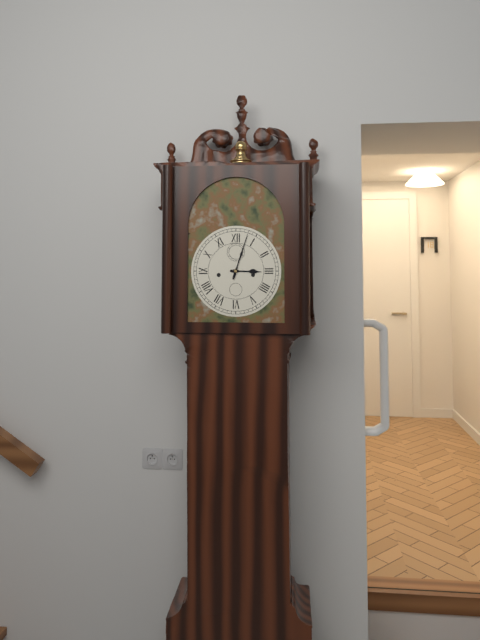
3:03
